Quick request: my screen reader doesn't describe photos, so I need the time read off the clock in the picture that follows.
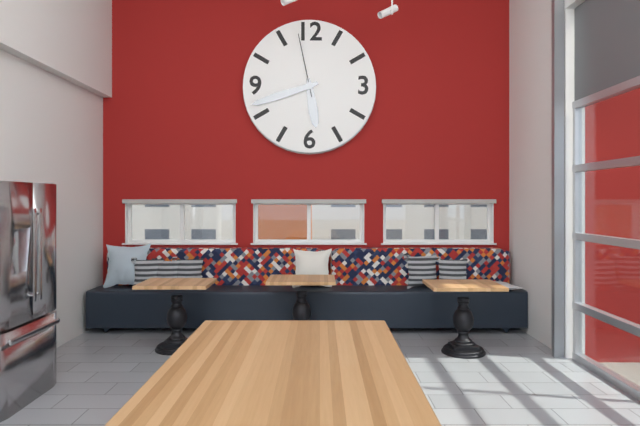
5:42:58
